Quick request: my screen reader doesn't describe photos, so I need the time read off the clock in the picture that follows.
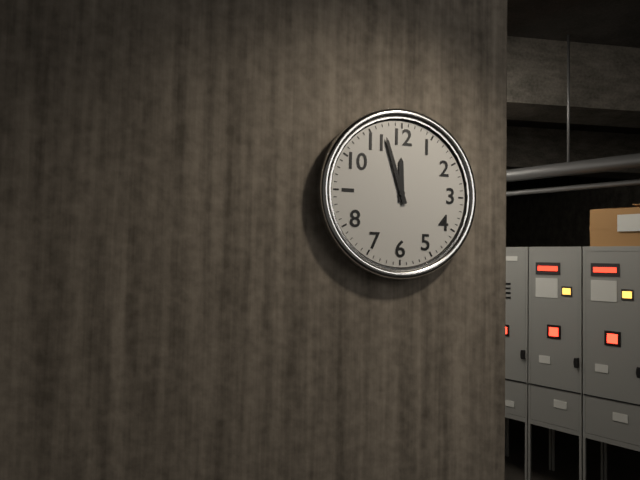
11:57
